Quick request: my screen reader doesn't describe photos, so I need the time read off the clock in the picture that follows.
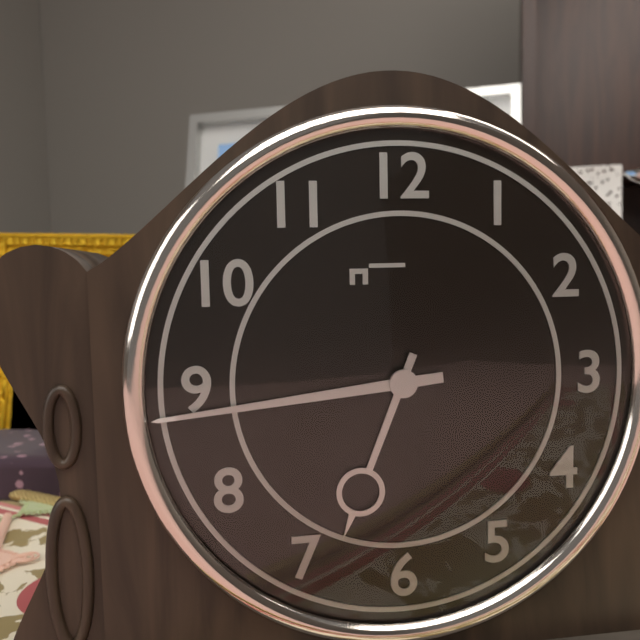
6:44
